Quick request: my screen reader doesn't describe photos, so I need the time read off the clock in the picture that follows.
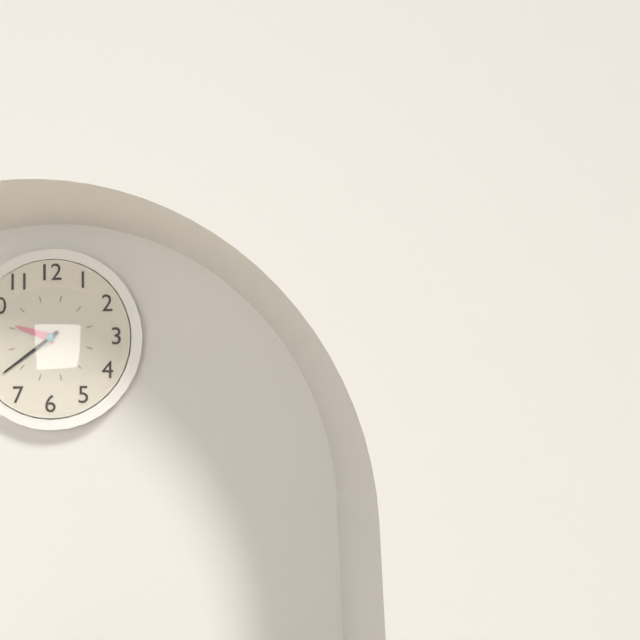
9:39
